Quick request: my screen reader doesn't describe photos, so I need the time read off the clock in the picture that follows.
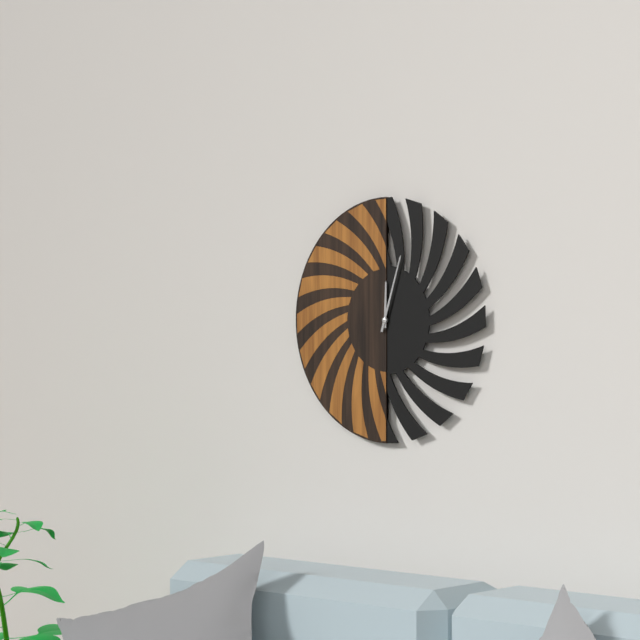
12:03
